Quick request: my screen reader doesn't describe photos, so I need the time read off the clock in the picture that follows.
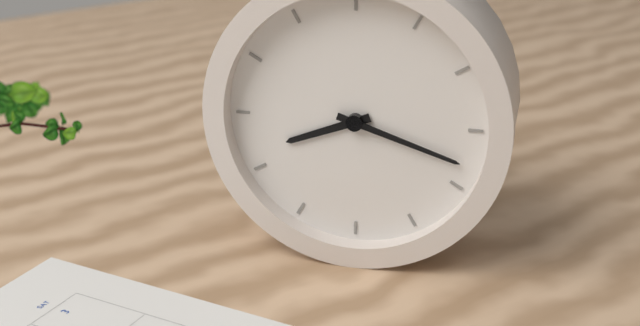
8:18
